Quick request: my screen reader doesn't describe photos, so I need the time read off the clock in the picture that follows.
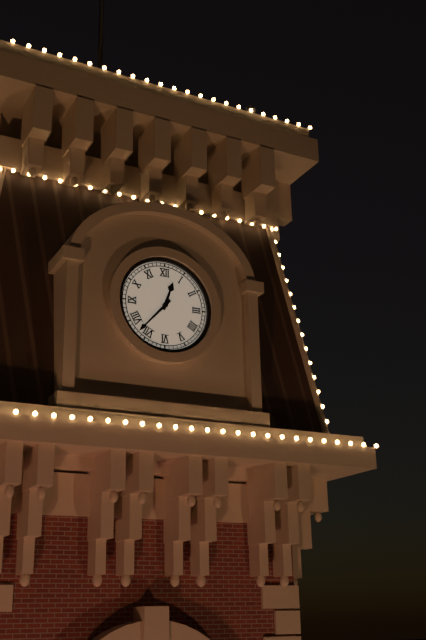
12:37
